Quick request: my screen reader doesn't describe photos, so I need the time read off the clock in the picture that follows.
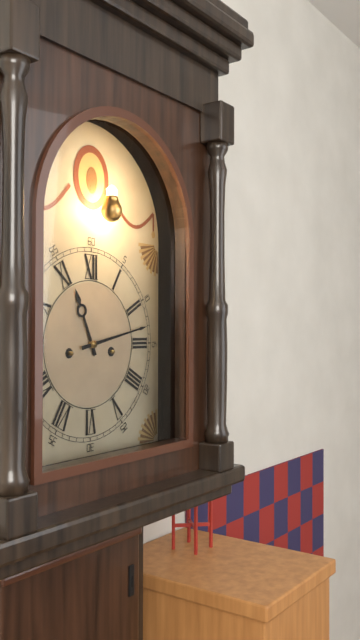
11:13
